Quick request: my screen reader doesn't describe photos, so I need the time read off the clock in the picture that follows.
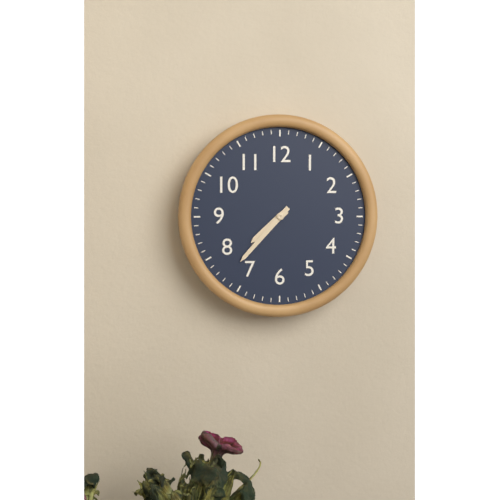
7:37
